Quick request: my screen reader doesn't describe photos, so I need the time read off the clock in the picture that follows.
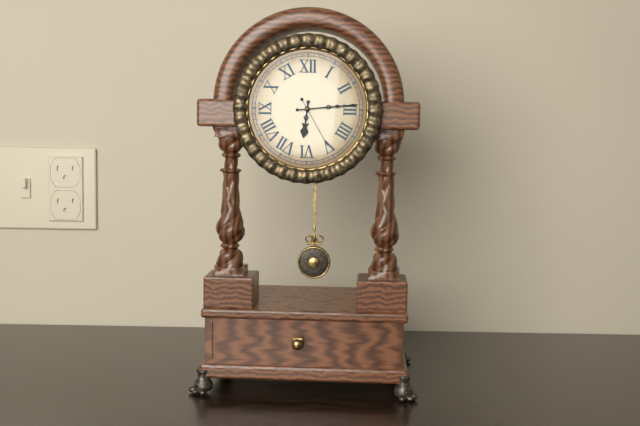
6:14:25
